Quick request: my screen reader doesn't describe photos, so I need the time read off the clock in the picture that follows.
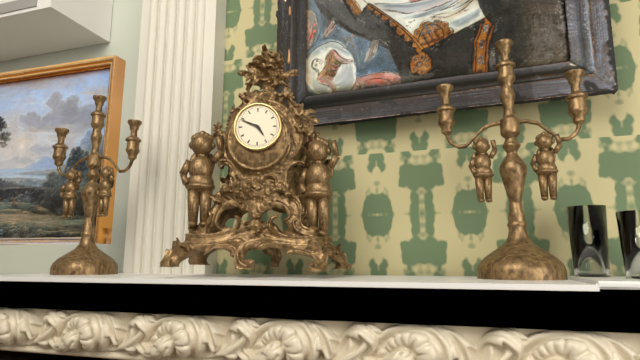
4:49
